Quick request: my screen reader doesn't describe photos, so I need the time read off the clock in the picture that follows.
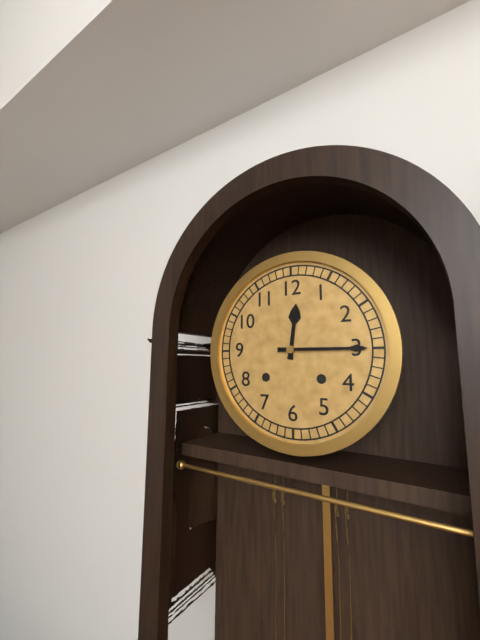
12:15
